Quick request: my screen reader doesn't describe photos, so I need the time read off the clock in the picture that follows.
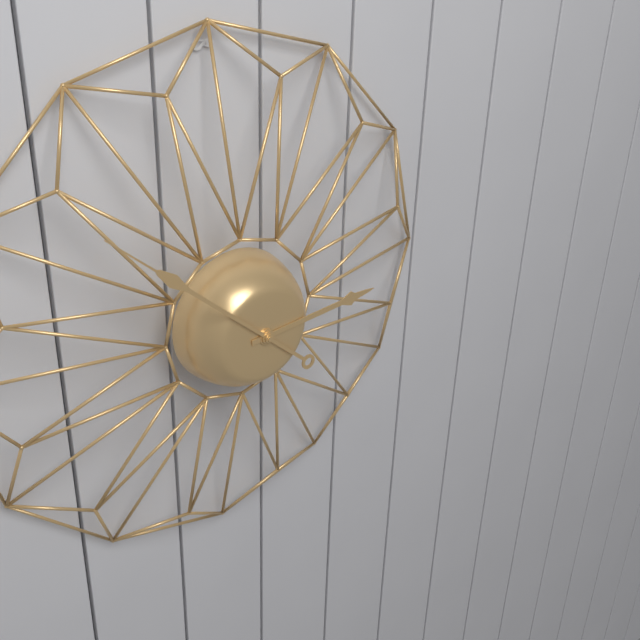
2:52
